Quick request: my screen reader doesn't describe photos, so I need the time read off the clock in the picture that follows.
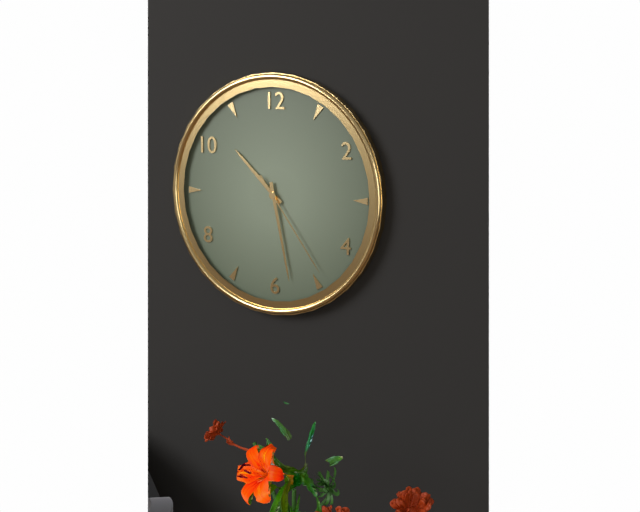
10:28:24
